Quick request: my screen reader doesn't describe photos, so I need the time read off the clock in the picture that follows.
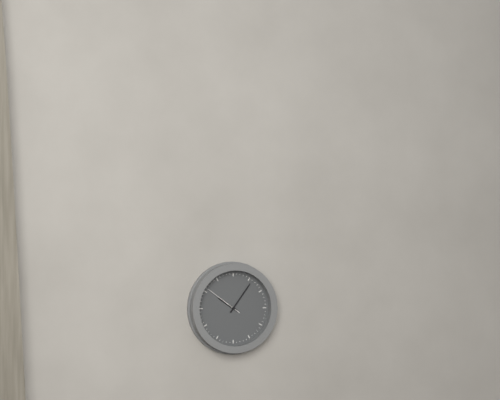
10:06
